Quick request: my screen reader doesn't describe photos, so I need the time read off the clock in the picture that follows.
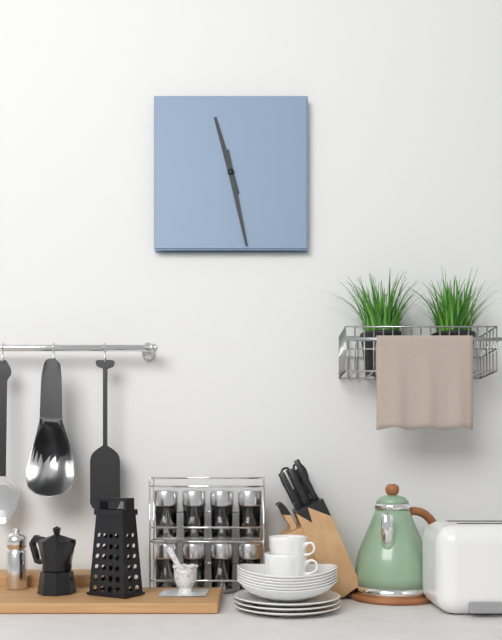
11:28
